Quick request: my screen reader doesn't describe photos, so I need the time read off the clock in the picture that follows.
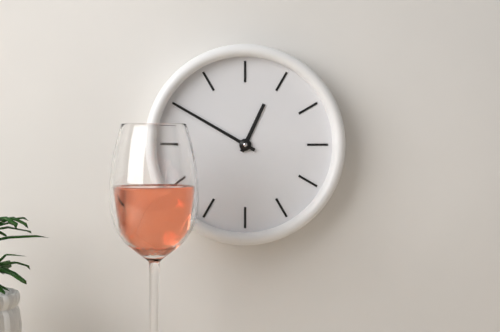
12:50
